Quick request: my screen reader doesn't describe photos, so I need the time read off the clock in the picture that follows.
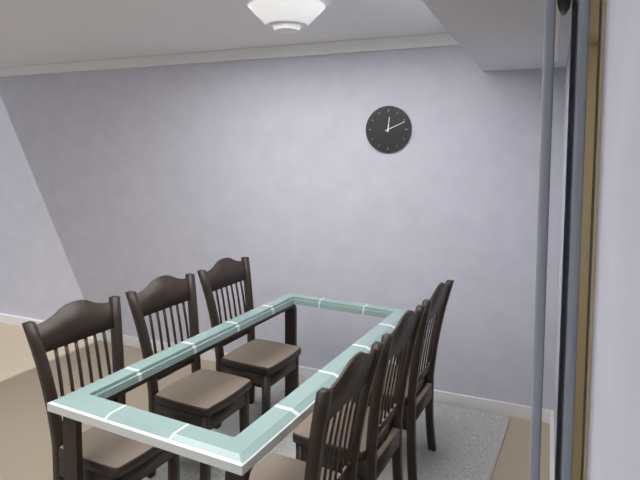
12:11
